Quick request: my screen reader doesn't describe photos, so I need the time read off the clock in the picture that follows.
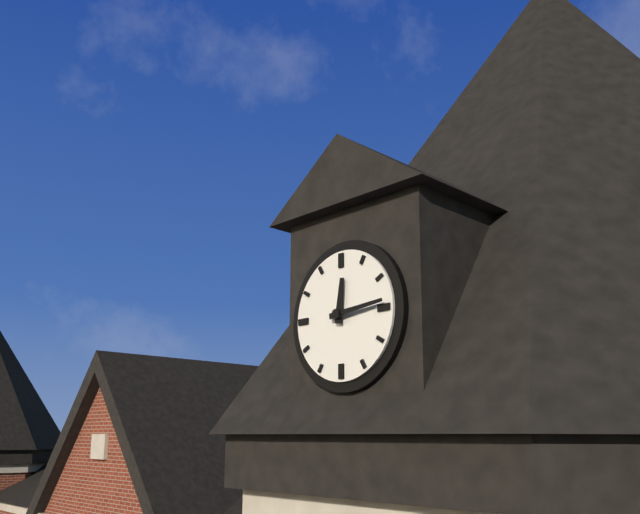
12:14
